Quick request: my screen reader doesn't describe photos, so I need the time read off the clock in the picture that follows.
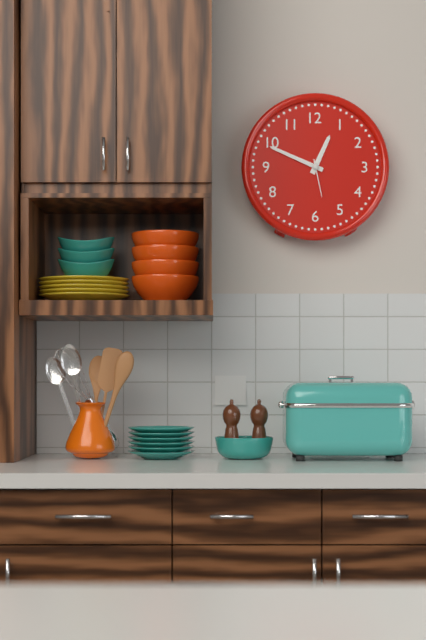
12:49
